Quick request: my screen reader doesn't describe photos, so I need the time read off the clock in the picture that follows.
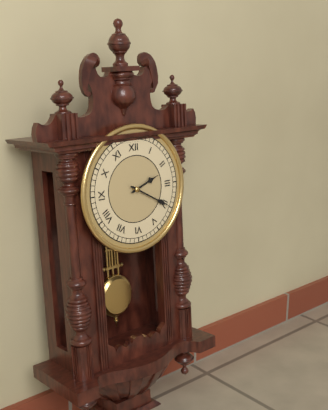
2:20
